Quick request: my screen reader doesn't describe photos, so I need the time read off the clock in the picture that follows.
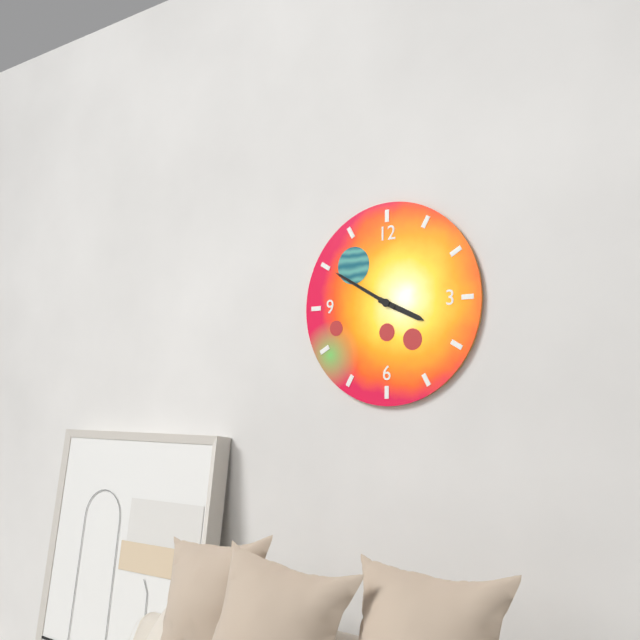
3:50
